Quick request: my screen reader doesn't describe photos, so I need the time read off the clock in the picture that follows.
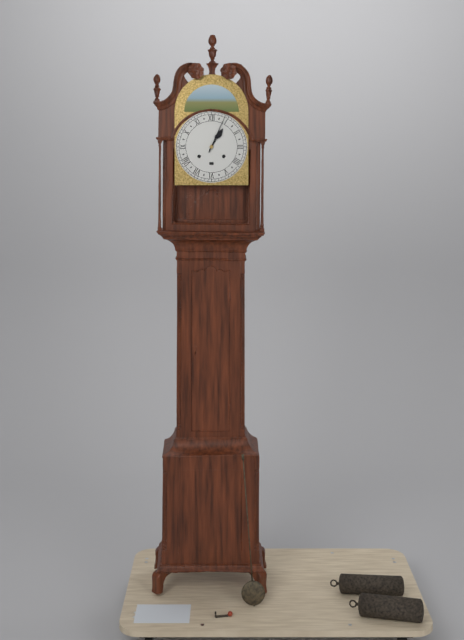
1:04
